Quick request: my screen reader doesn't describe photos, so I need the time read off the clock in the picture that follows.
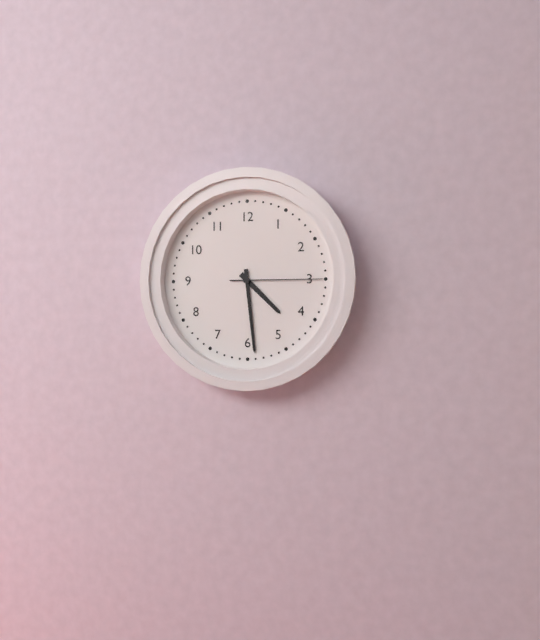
4:29:15
